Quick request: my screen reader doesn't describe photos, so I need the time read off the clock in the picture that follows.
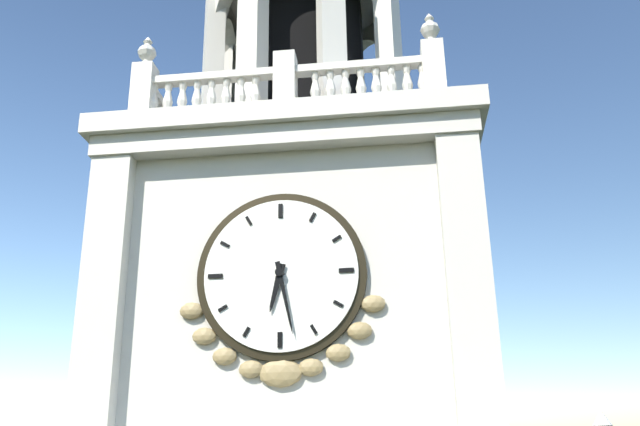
6:28
